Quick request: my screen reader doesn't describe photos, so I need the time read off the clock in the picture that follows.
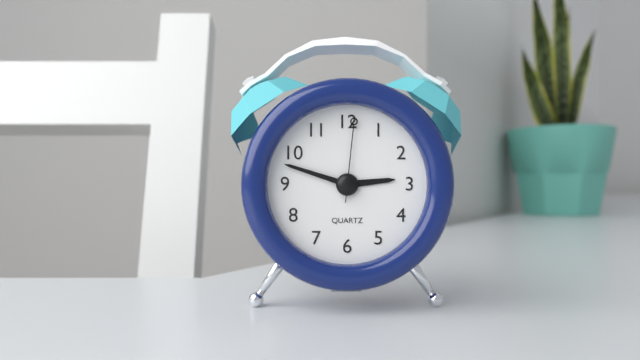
2:48:01
